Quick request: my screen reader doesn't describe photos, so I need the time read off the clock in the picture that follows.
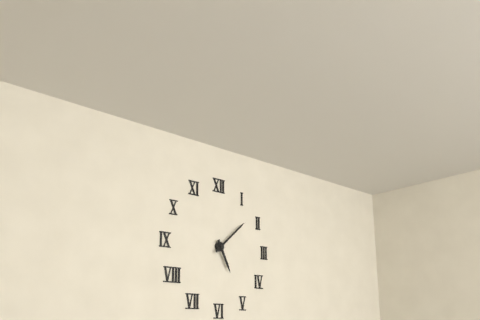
5:08
